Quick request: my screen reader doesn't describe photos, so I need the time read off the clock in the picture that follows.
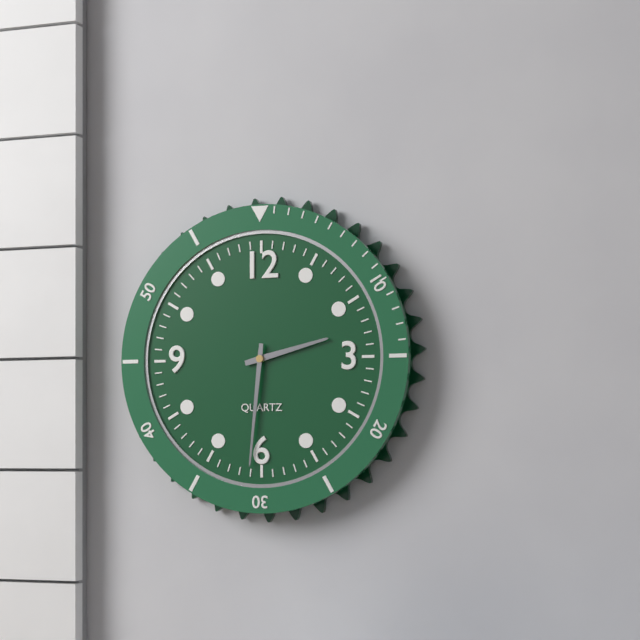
2:31
